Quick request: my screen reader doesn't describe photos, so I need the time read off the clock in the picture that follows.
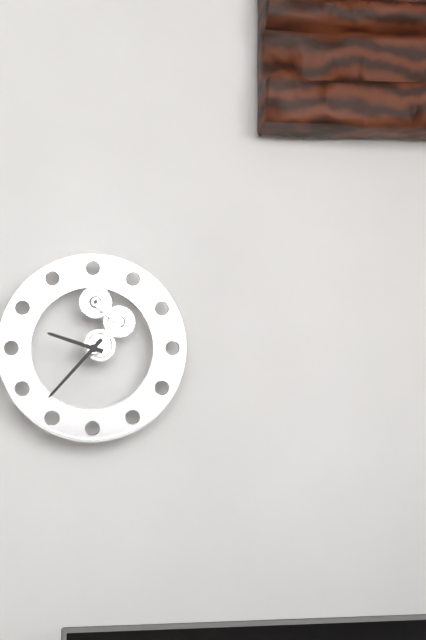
9:37
